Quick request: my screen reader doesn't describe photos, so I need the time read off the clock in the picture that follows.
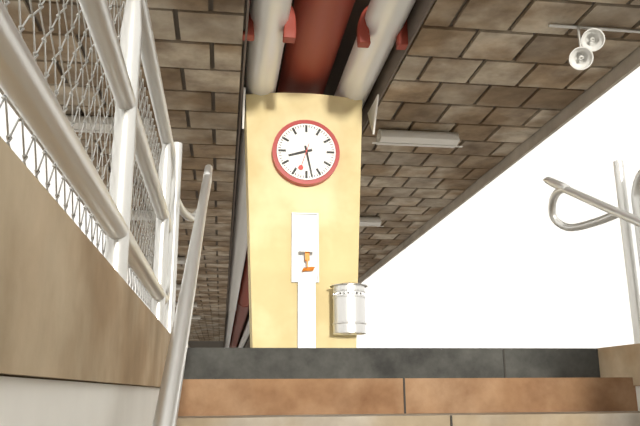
8:28
